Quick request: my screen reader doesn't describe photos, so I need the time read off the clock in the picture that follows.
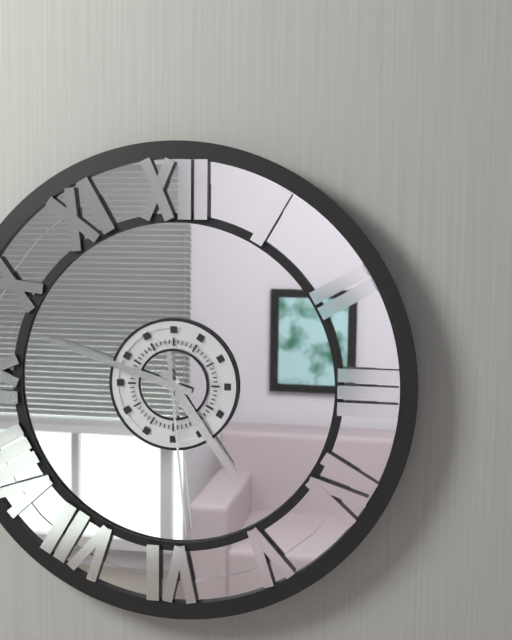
4:48:29
